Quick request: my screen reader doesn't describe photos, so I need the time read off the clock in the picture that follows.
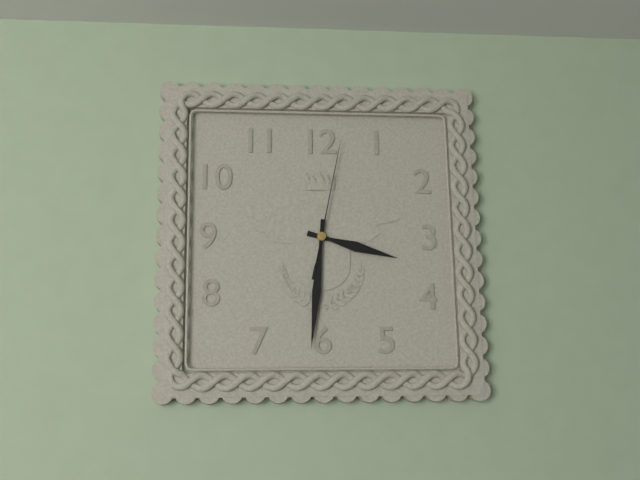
3:31:02
